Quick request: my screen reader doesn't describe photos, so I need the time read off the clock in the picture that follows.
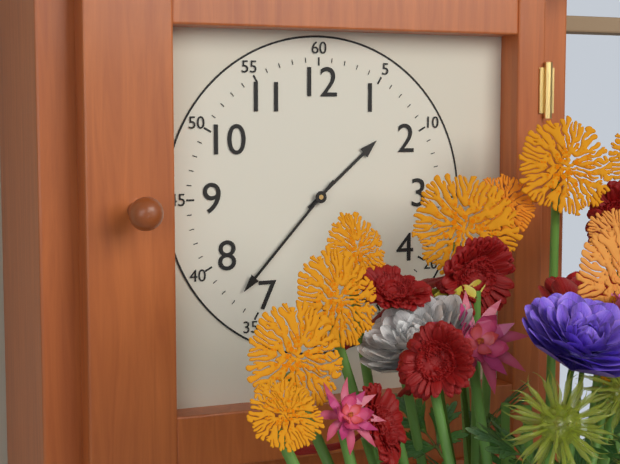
1:37
